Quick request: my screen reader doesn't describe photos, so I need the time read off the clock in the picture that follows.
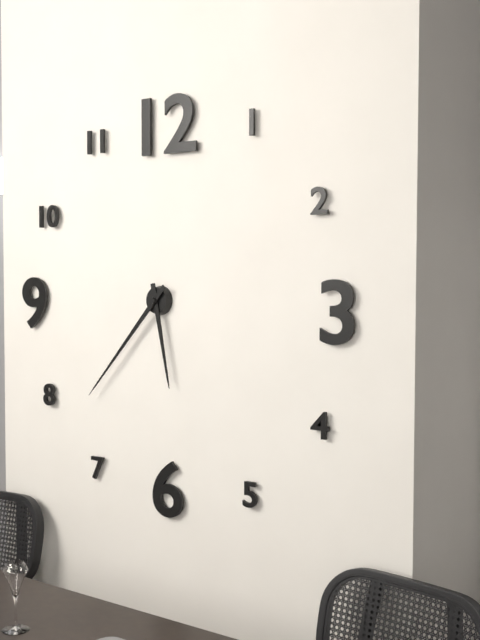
5:37
